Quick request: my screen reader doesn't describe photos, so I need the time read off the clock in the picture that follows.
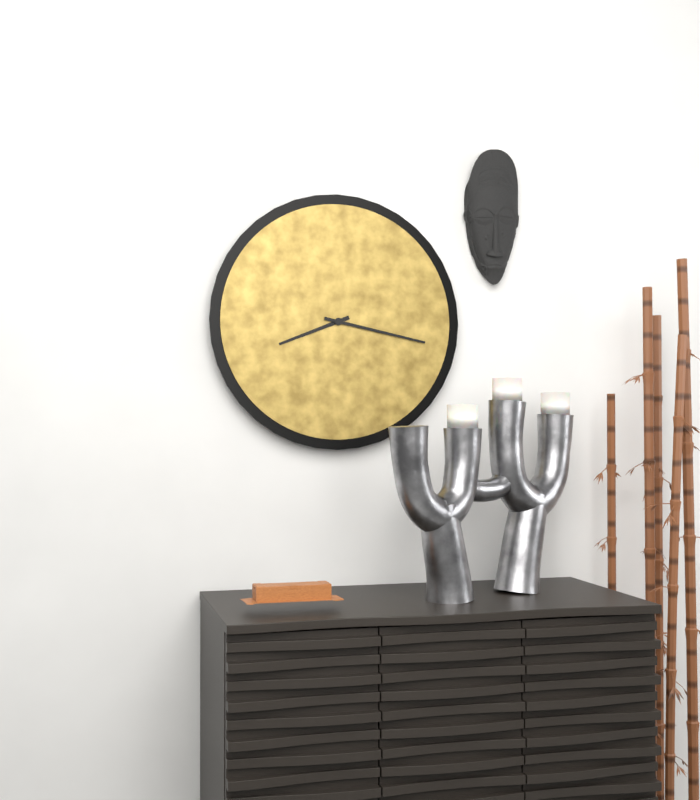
8:17
